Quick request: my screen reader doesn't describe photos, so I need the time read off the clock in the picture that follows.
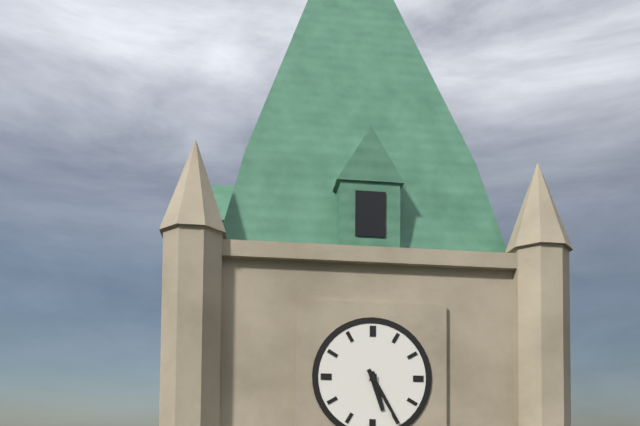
5:25
